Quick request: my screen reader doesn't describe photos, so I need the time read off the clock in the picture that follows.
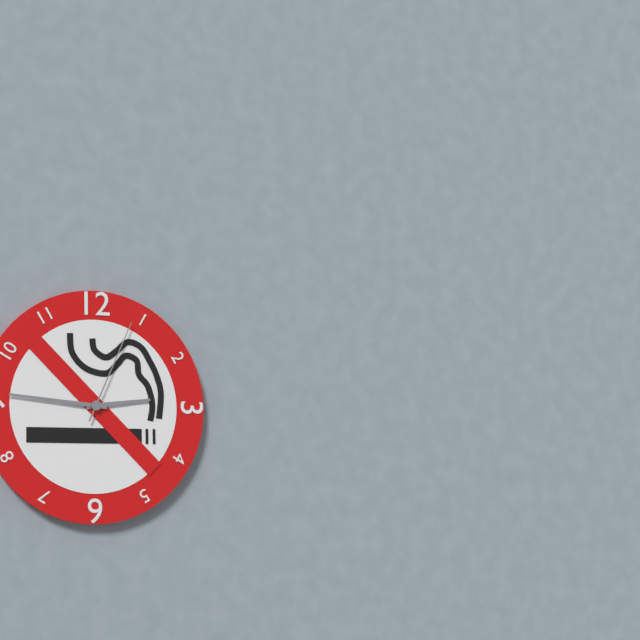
2:46:04
